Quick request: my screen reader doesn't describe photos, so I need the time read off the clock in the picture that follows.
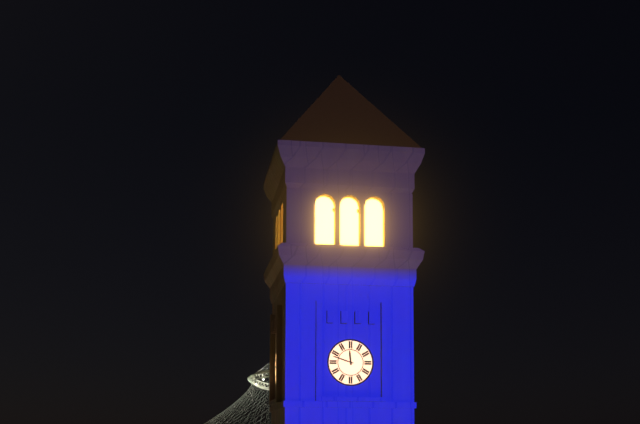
11:48
